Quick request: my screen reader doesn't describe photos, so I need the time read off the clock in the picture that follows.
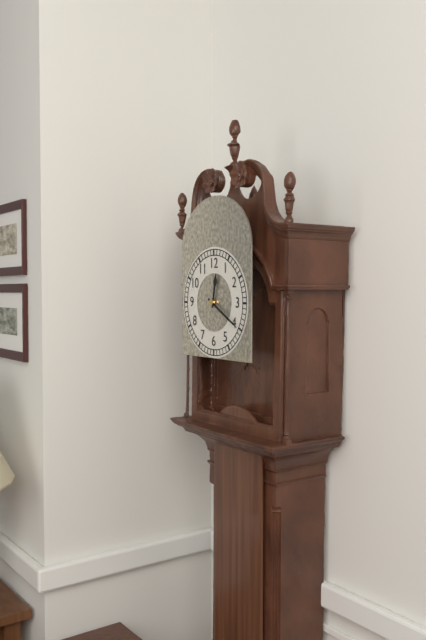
12:20
